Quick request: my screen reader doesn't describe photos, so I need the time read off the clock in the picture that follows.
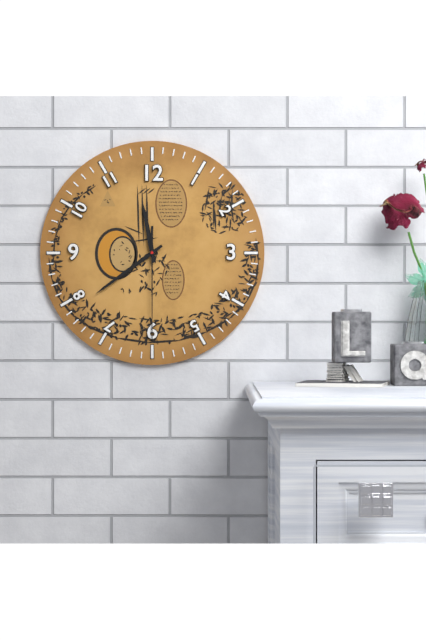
11:39:30
